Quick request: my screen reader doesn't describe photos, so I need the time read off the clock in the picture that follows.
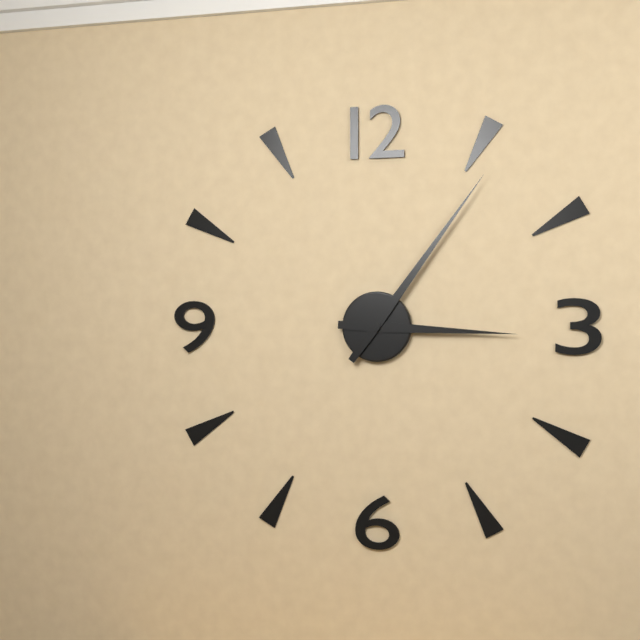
3:06
